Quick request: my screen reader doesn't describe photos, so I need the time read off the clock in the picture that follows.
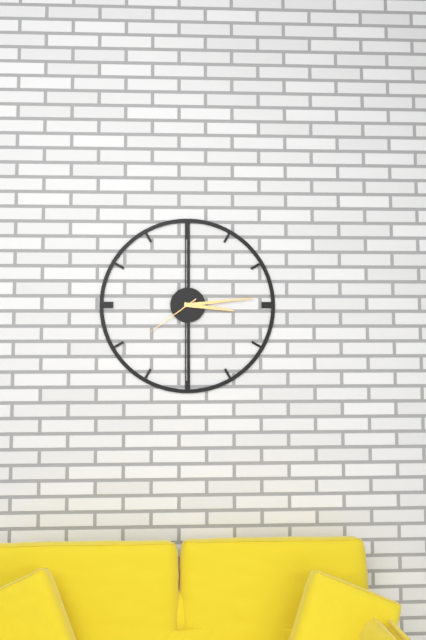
3:14:39
